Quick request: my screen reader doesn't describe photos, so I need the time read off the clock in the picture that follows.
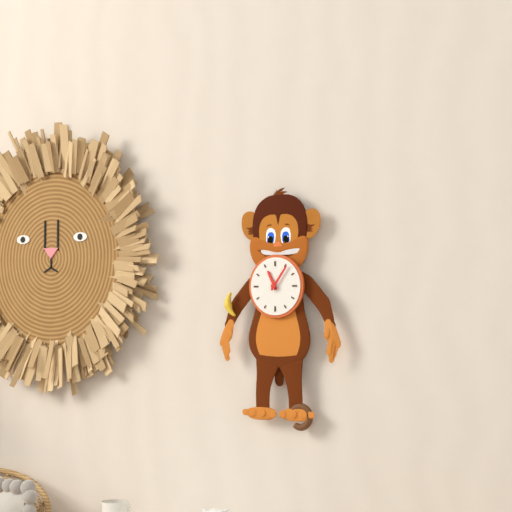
11:06
